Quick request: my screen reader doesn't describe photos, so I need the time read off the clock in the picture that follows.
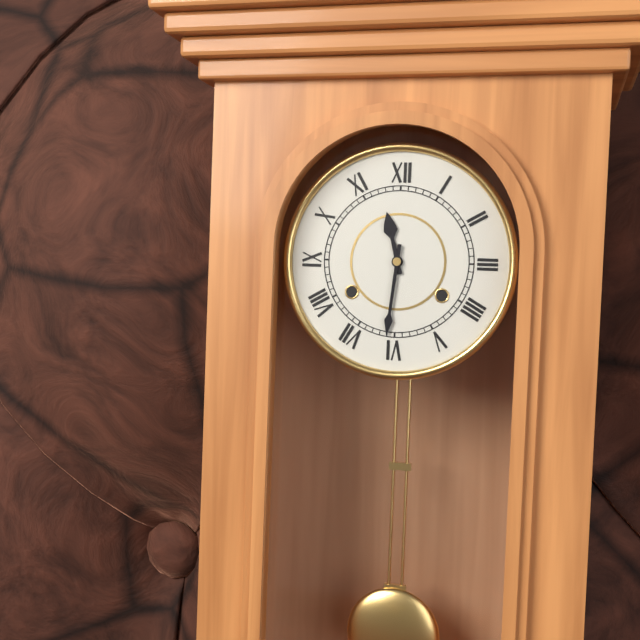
11:31
